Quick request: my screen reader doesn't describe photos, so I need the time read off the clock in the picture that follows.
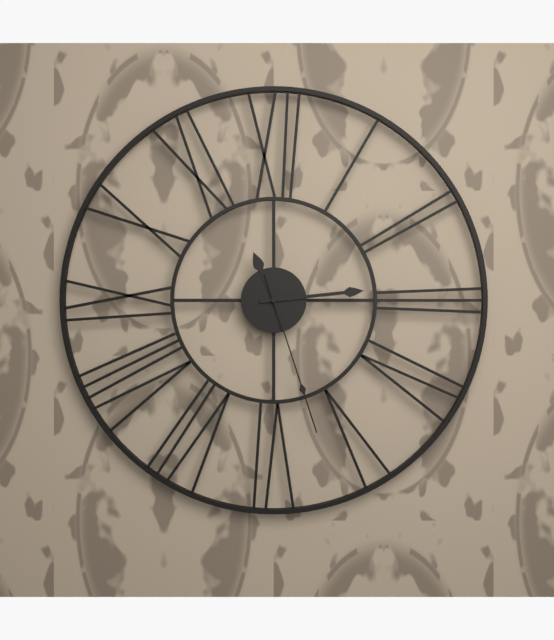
11:14:27
